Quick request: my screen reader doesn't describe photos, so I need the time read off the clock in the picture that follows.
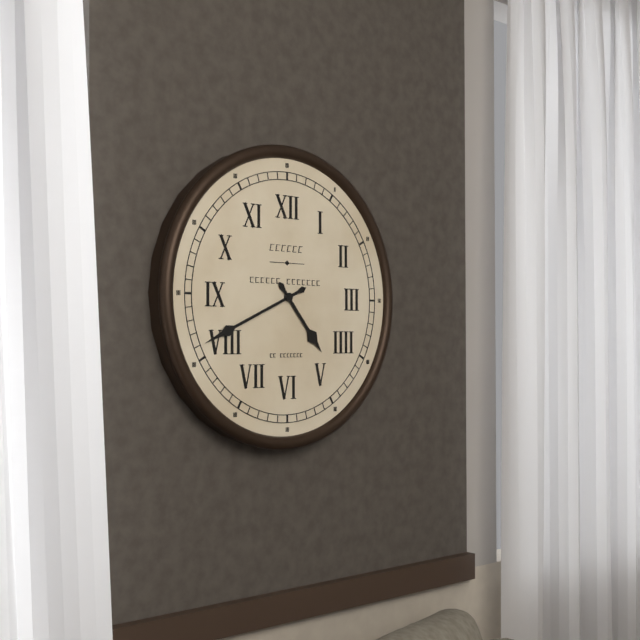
4:41
